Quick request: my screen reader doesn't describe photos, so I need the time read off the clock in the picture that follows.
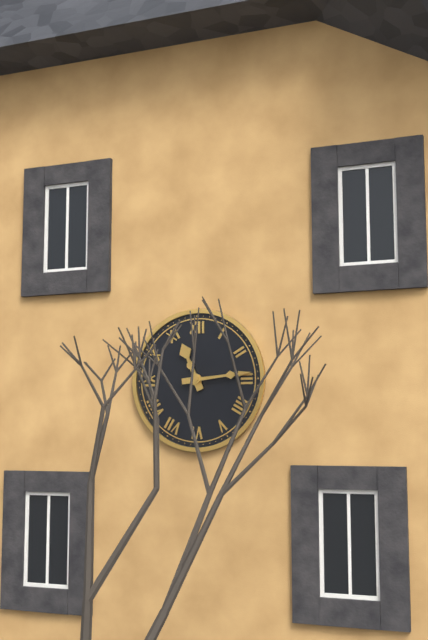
11:14
